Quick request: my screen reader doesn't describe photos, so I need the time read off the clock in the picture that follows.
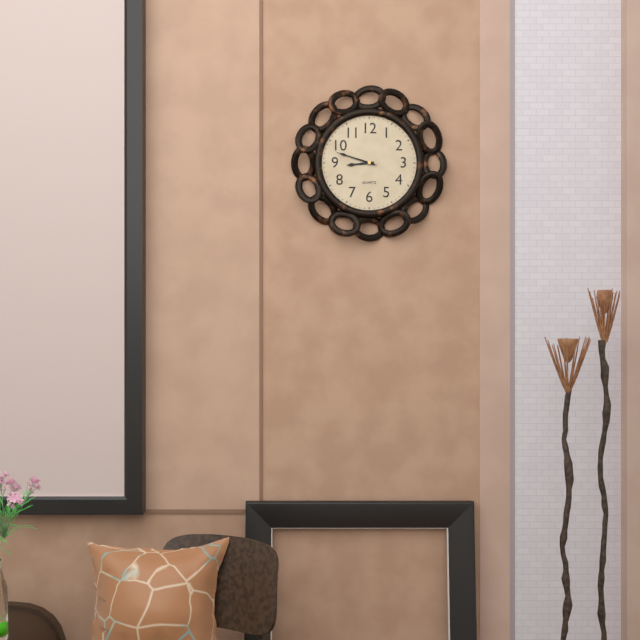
8:48
